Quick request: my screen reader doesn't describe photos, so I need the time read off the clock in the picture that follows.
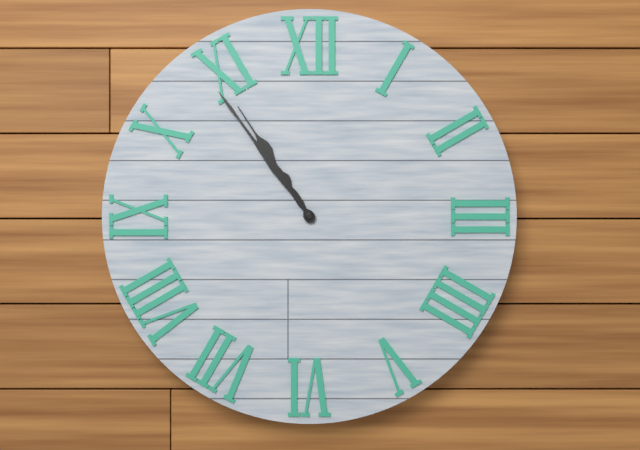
10:54
